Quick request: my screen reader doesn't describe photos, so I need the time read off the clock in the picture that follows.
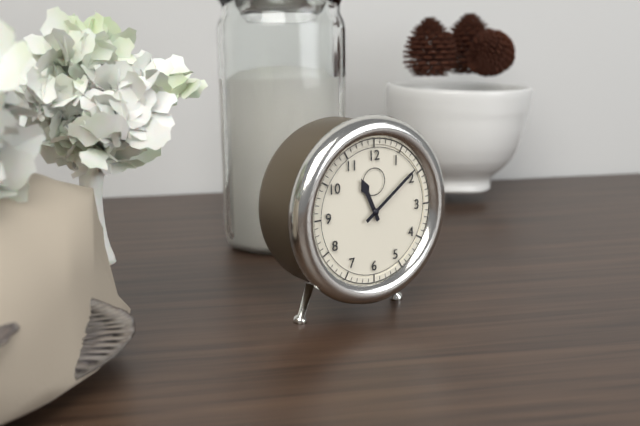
11:09
